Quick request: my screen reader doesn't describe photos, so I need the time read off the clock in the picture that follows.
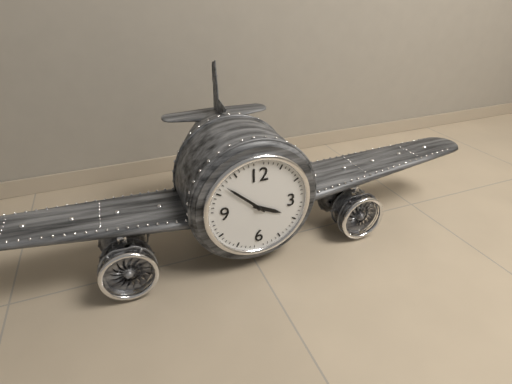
3:52
